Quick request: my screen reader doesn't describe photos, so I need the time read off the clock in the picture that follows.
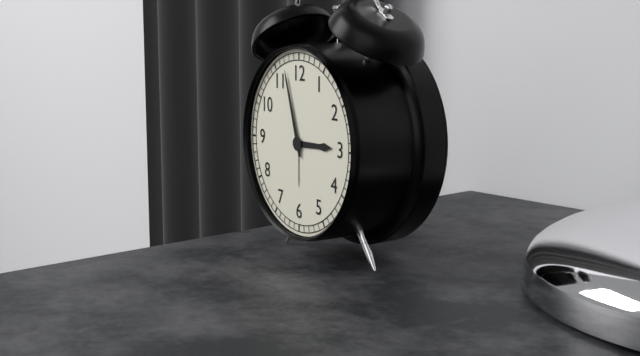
2:57
